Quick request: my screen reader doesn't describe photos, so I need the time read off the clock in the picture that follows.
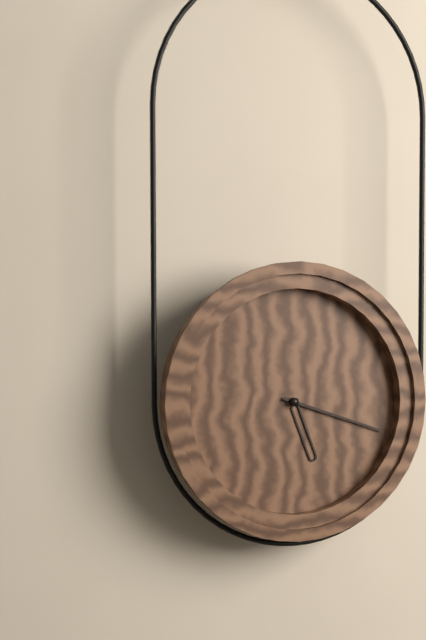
5:18
